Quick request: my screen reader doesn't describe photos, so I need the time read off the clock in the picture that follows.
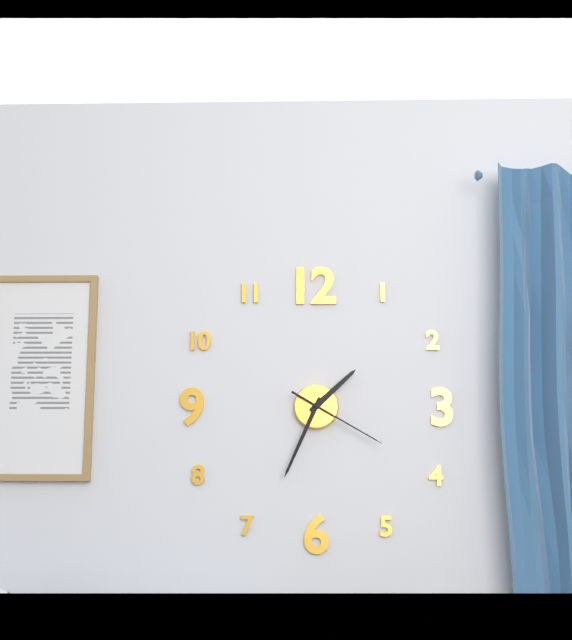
1:34:20
